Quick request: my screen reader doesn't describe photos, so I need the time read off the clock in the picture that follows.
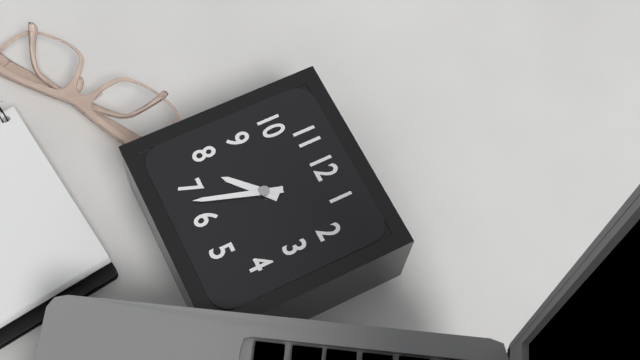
7:33
